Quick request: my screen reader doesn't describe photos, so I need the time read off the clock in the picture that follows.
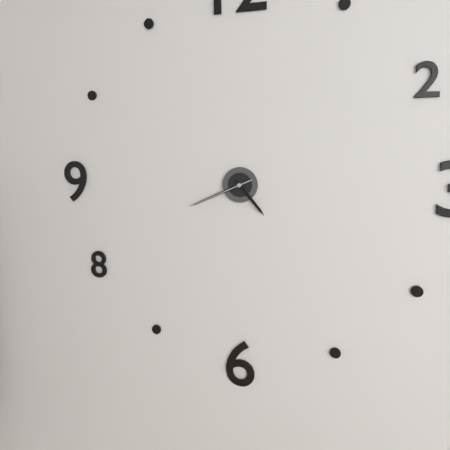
4:41:41
